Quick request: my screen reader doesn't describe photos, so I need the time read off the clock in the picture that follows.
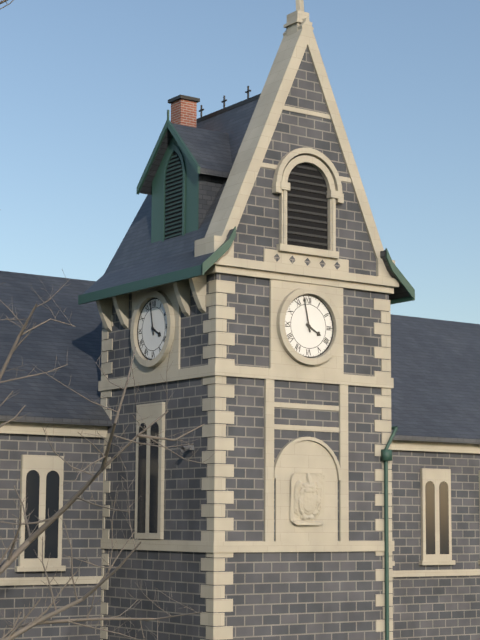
3:58
